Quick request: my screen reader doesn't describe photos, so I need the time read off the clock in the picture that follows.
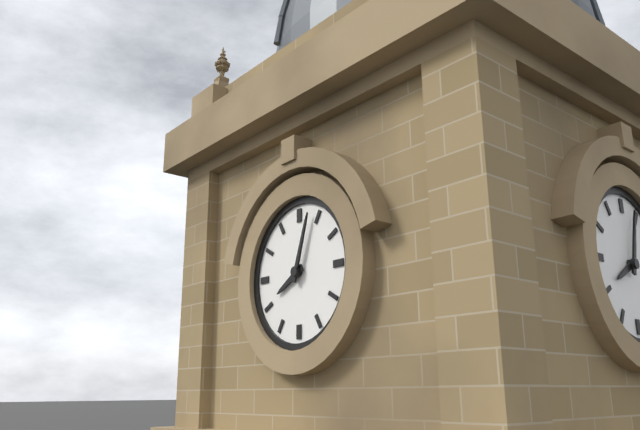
8:03
